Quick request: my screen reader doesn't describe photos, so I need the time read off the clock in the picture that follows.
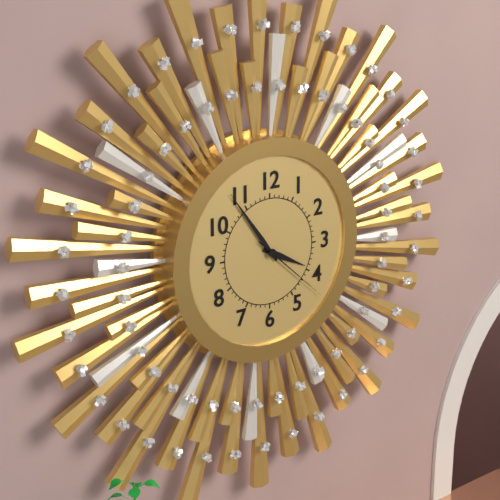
3:54:22
